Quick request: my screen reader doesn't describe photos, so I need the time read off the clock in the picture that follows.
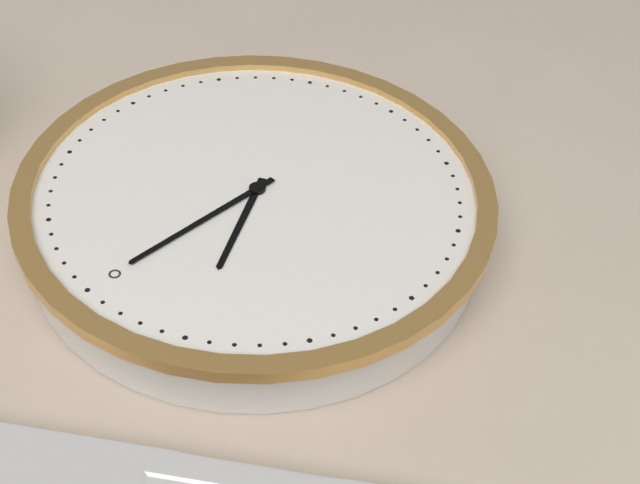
11:00
